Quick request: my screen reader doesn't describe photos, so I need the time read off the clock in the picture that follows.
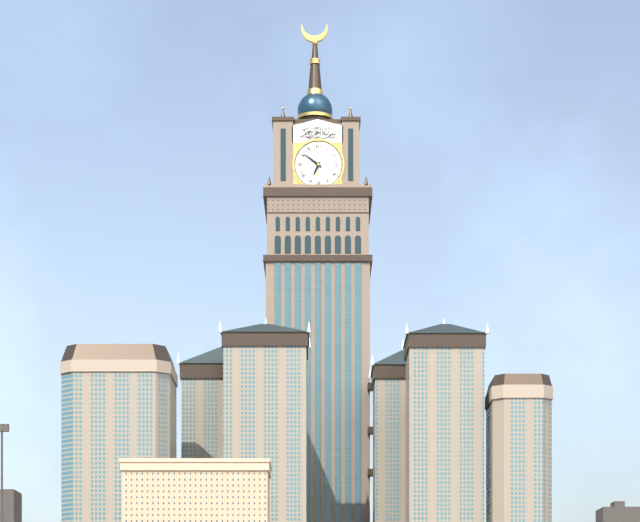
6:51
